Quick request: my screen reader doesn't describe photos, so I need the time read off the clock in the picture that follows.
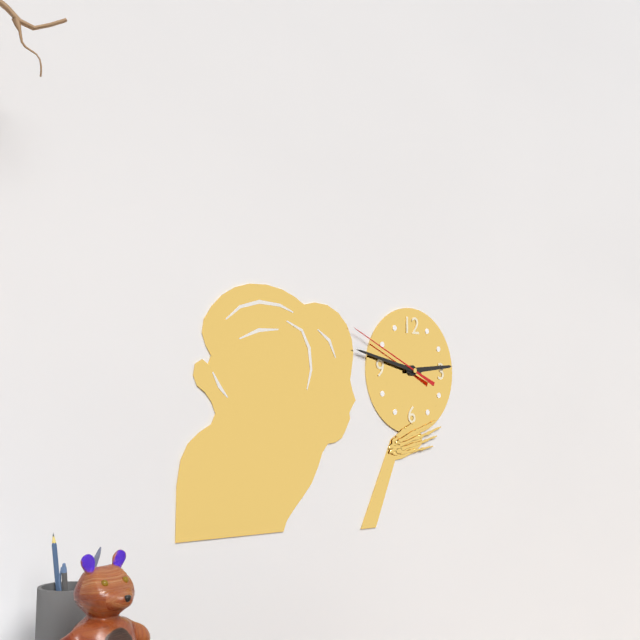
2:47:49
